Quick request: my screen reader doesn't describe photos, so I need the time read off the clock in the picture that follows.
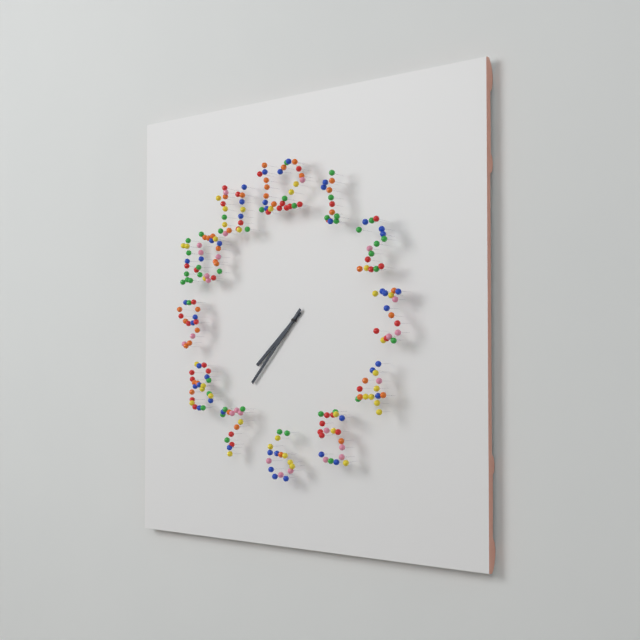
7:37
